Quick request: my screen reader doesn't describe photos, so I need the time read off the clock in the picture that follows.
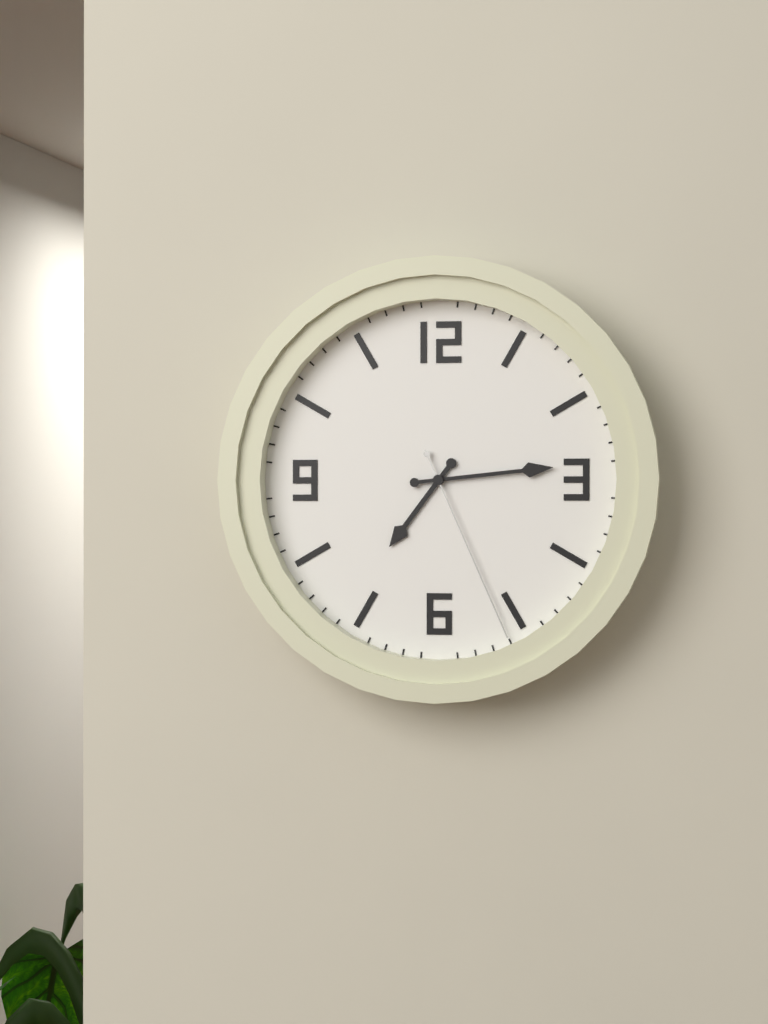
7:14:26
